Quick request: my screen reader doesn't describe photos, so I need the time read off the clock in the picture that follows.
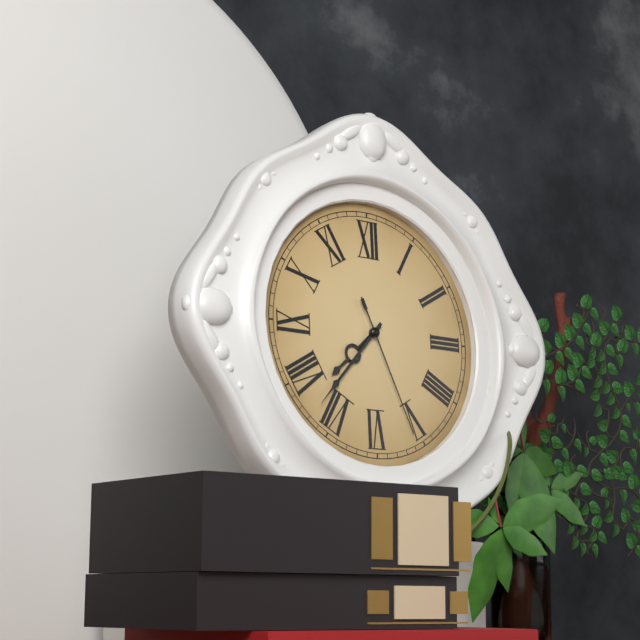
7:37:26
